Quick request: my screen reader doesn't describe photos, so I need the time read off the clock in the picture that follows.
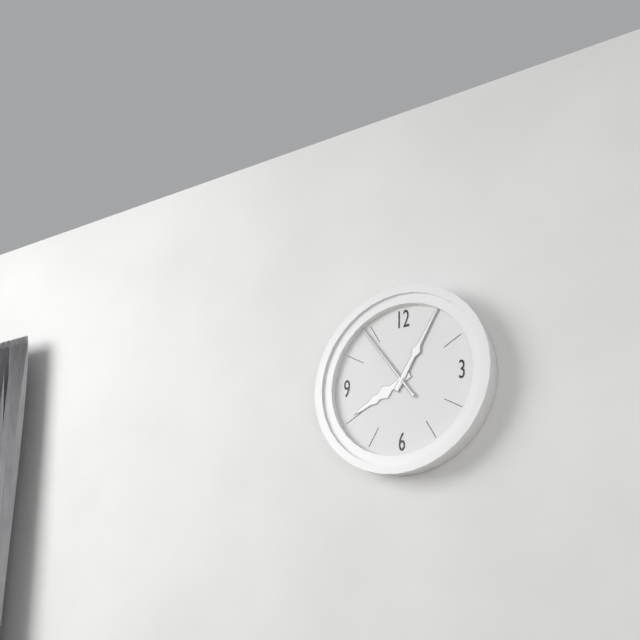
8:05:54
